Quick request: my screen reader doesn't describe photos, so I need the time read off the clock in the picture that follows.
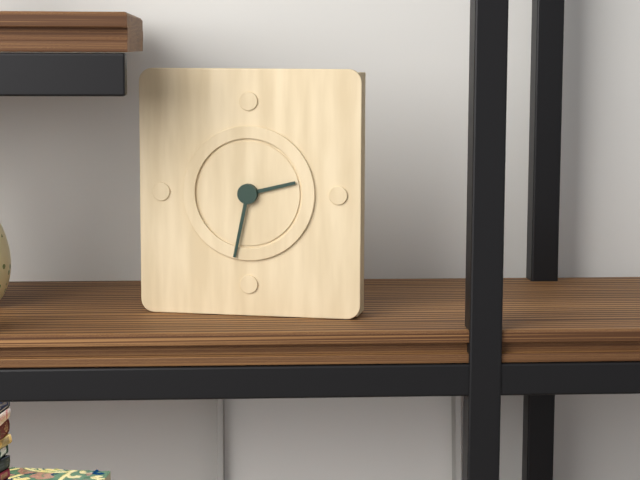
2:32
